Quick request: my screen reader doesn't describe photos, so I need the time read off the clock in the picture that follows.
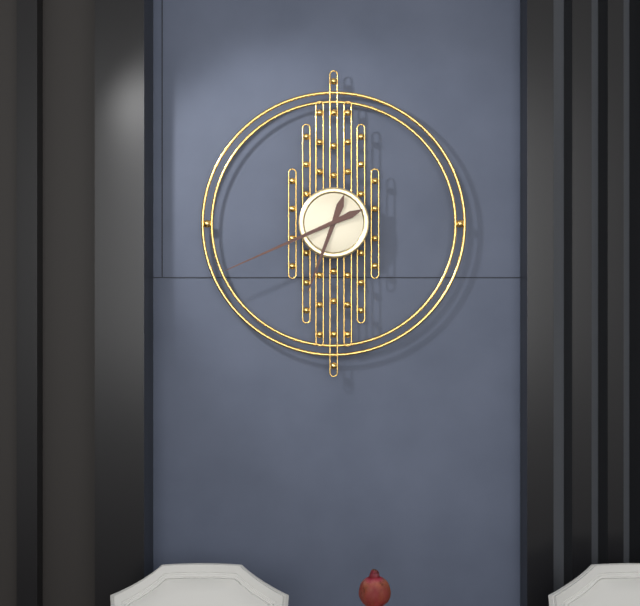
6:41
